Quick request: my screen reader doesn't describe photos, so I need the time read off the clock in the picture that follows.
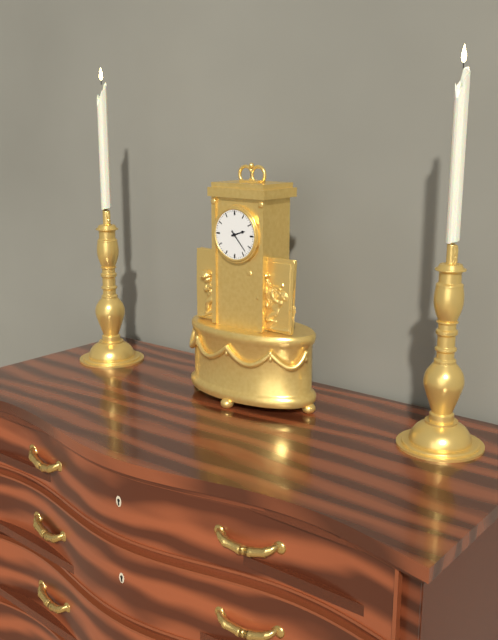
2:23
